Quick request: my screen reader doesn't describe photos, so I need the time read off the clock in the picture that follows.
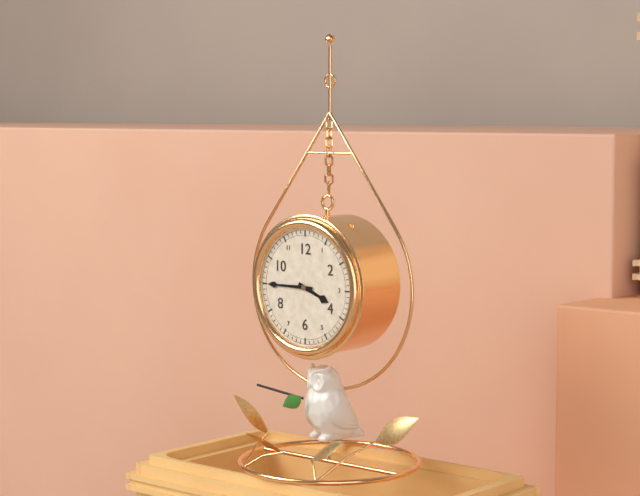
3:45
